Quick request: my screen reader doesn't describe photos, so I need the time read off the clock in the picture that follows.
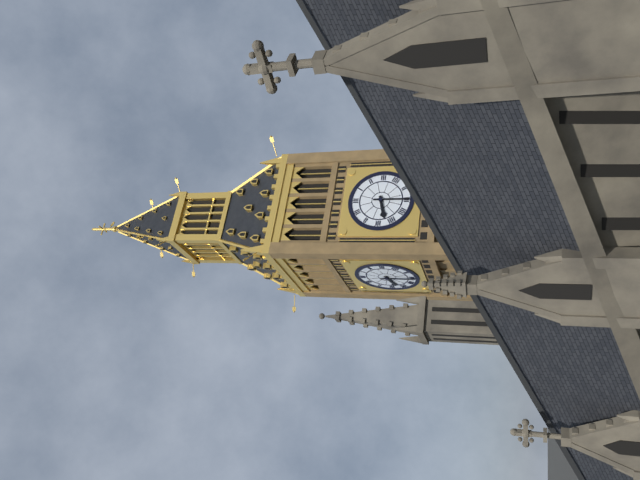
8:30
